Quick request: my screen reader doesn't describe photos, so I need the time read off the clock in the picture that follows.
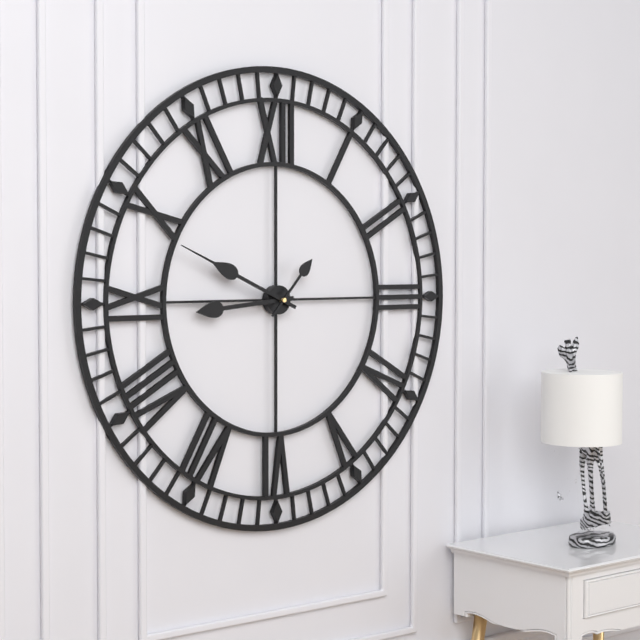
8:49:07
